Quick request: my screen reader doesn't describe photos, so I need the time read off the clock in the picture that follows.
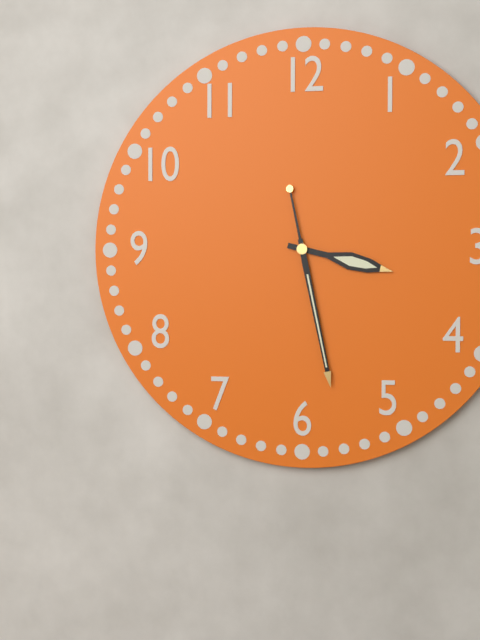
3:28
